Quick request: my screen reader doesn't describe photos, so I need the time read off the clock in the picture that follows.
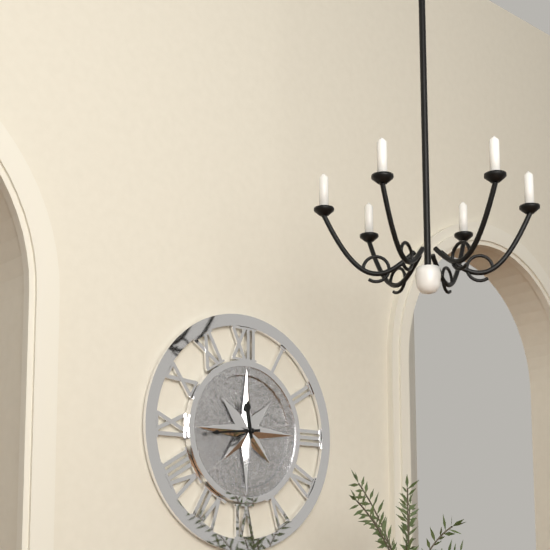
11:44
